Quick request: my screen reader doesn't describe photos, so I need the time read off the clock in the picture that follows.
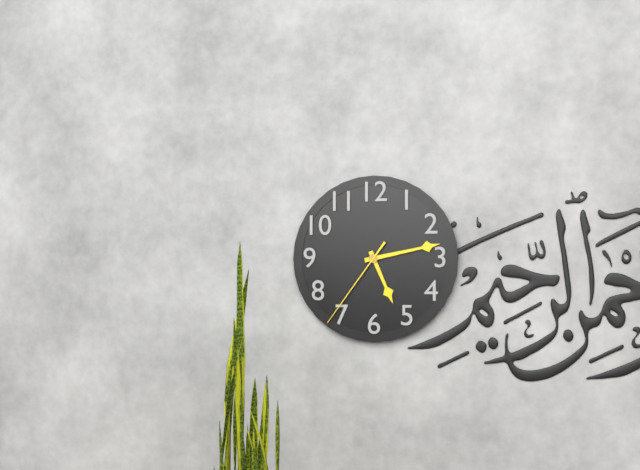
5:13:36
